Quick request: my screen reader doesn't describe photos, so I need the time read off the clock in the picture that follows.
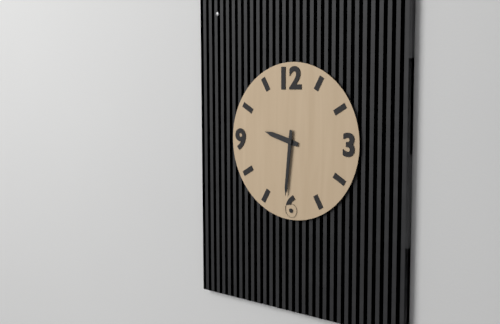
9:31
